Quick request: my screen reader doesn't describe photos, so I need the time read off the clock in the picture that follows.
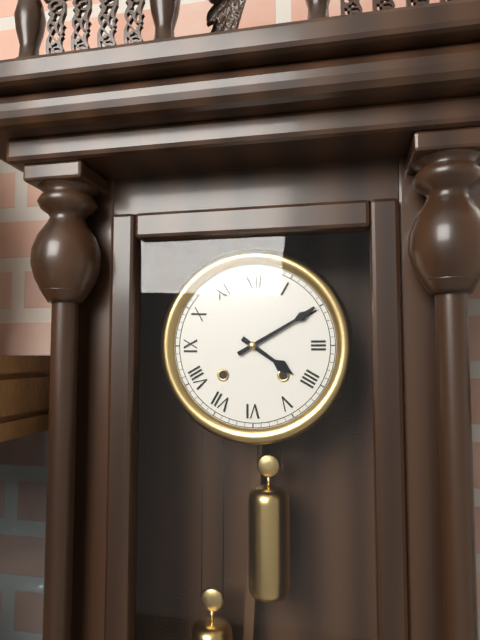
4:10
